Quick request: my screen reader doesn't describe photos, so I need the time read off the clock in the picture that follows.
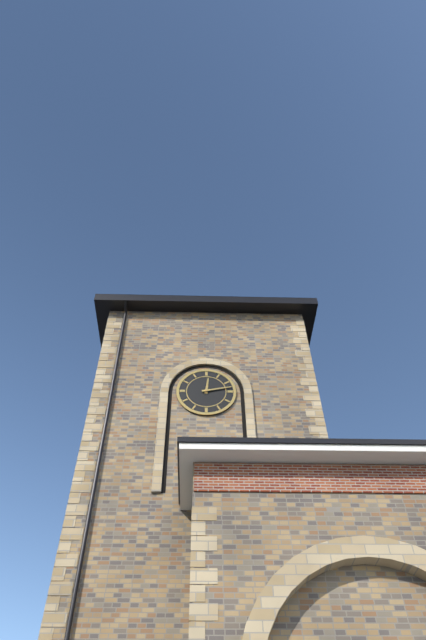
12:13
